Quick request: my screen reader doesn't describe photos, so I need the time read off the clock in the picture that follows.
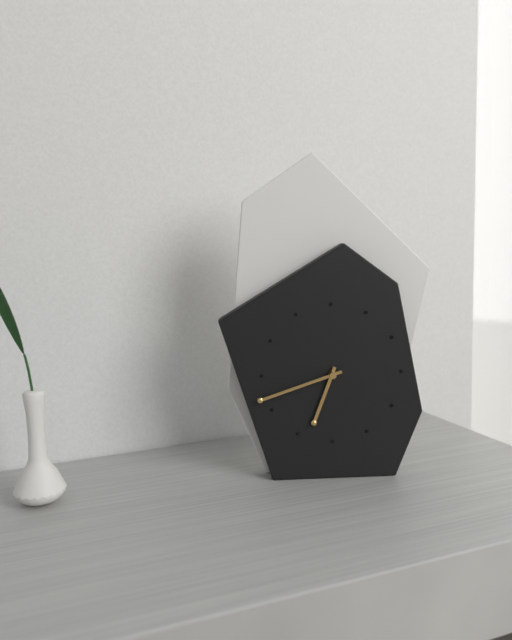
6:42
